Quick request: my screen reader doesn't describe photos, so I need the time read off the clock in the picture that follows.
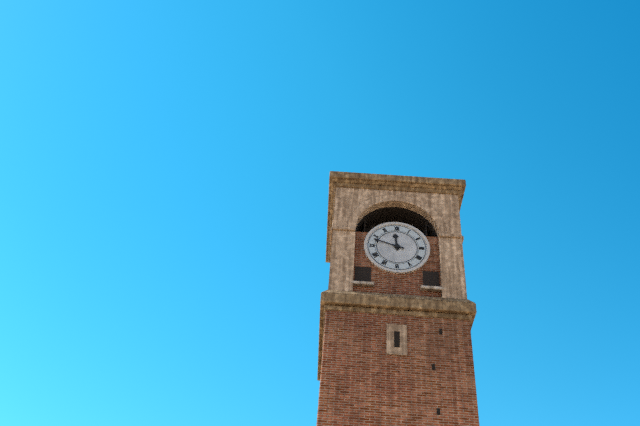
11:48
